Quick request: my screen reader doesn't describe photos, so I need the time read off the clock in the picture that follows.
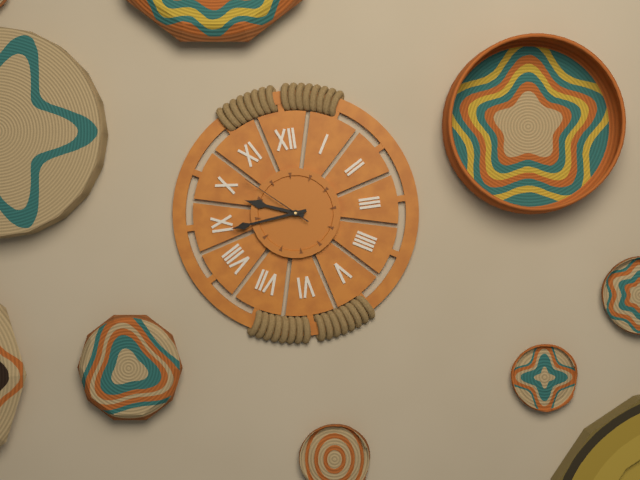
9:44:52
